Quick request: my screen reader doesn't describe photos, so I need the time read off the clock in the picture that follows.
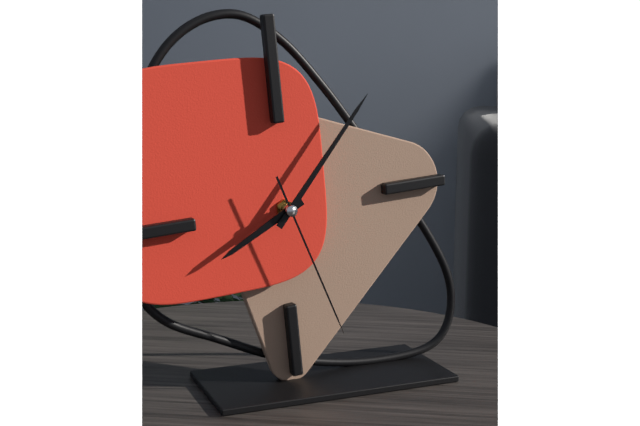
8:07:27
